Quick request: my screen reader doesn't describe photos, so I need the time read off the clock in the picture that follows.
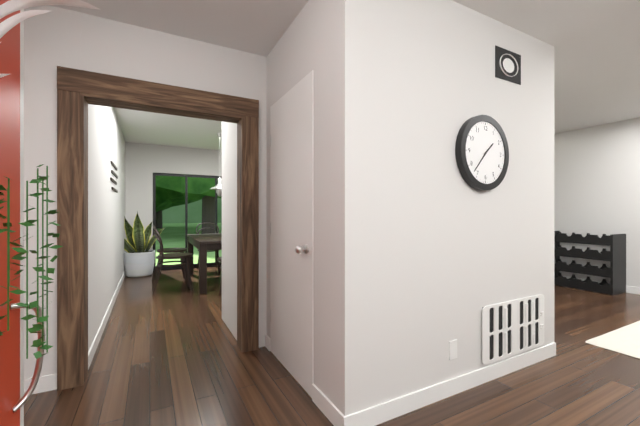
1:37
